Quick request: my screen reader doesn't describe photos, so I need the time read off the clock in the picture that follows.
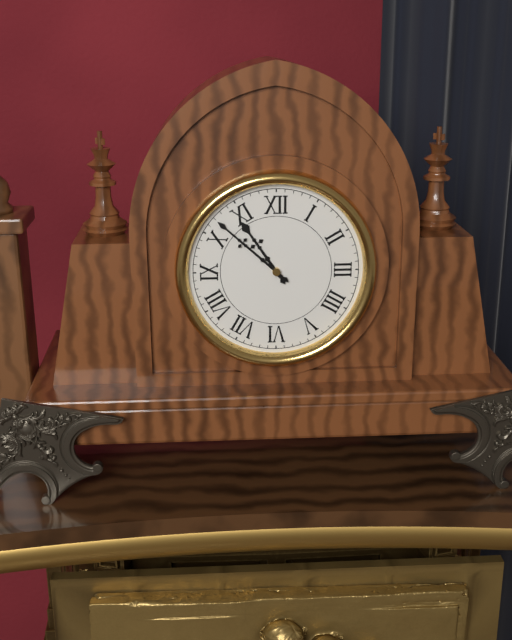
10:52
